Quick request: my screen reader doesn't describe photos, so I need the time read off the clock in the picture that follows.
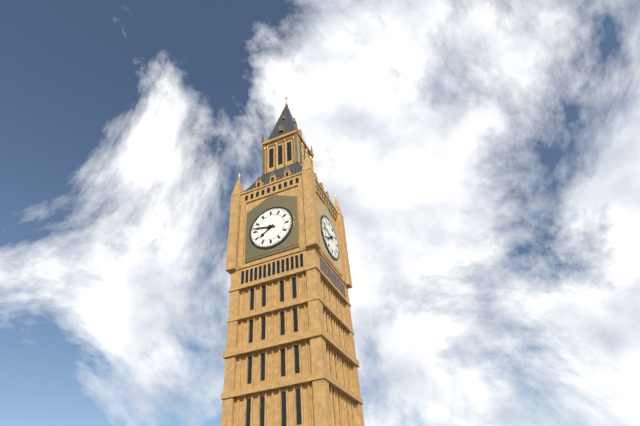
7:47
